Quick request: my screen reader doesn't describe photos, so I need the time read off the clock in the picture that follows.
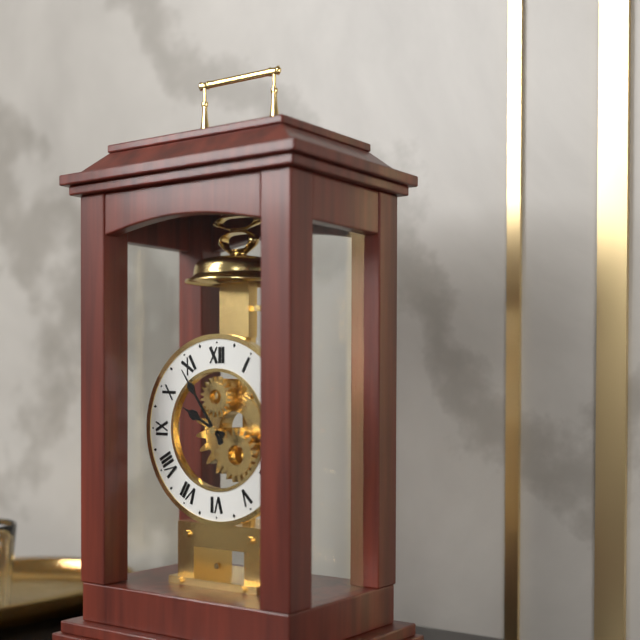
9:54
